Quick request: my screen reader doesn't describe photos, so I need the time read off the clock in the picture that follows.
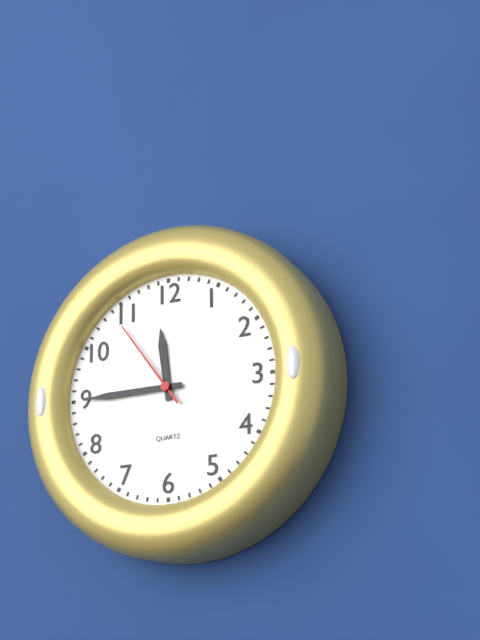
11:45:54
